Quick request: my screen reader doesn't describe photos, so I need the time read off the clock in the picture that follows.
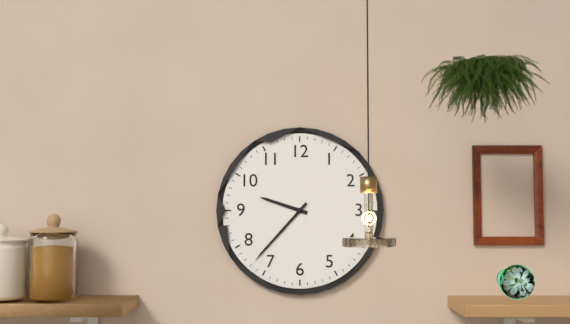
9:37
